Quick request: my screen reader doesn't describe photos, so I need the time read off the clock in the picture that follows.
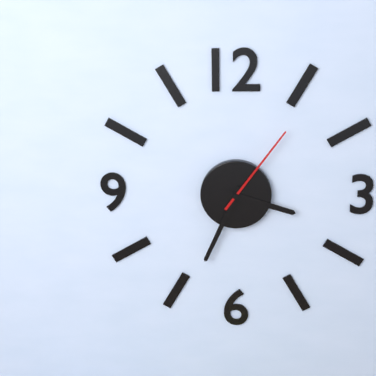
3:34:06
